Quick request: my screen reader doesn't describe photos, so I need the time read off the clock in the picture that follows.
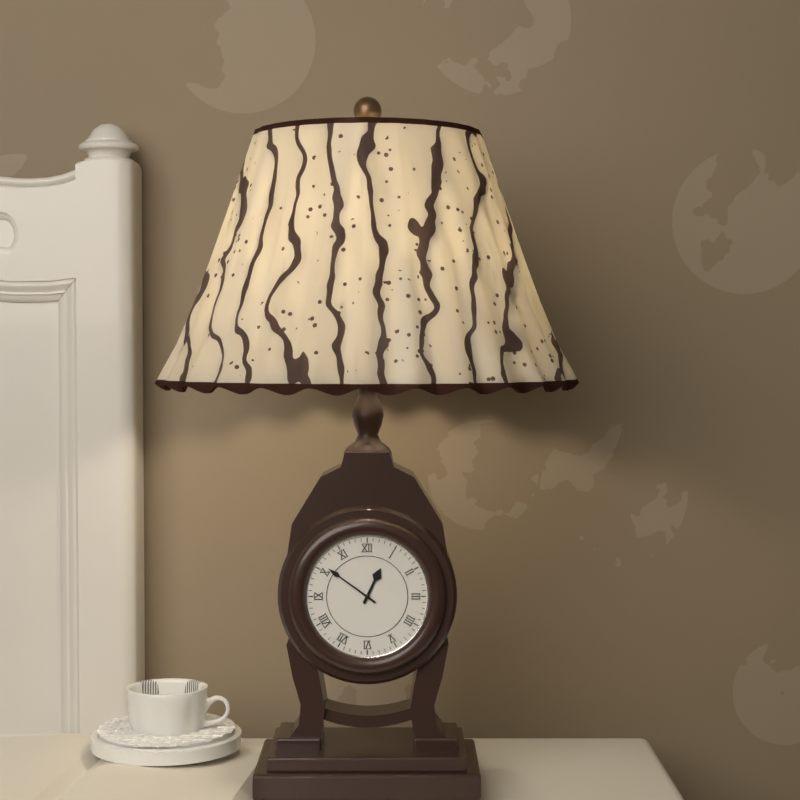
12:51
